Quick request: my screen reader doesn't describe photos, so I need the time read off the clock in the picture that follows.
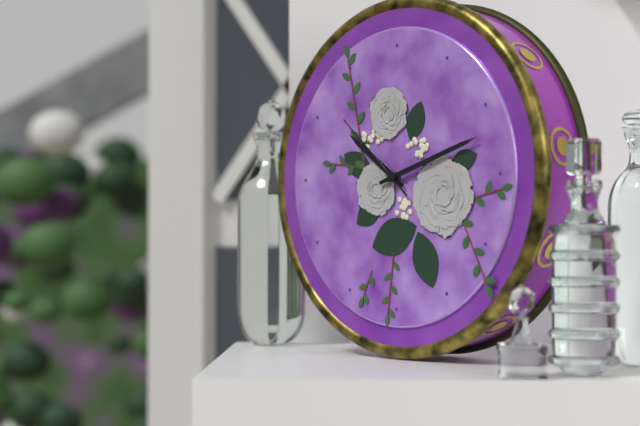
10:12:52
